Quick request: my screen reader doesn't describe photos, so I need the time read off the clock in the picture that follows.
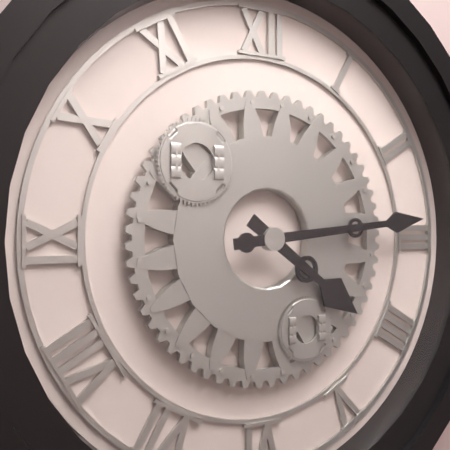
4:14
